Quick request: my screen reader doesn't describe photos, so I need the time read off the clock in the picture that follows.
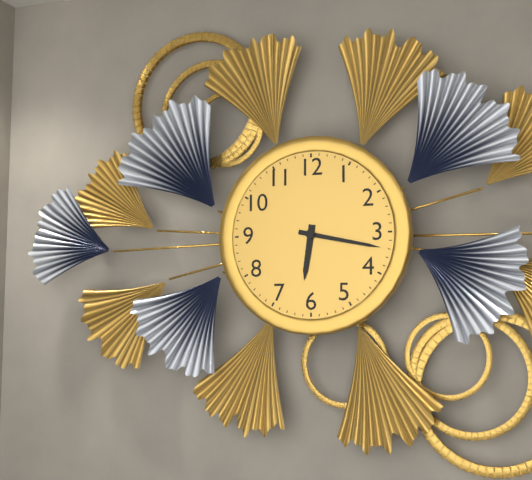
6:17
